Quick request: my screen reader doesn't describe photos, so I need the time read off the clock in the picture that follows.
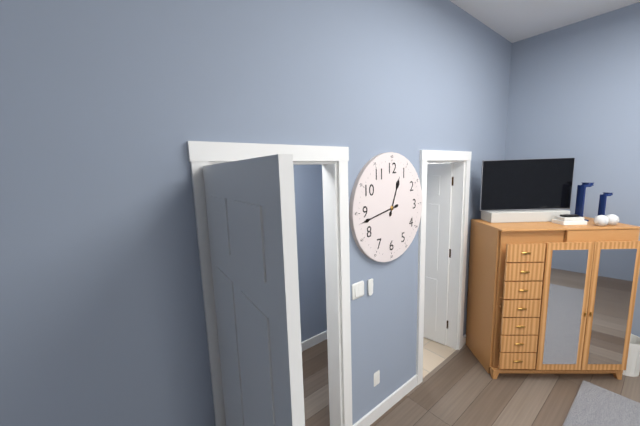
12:43
